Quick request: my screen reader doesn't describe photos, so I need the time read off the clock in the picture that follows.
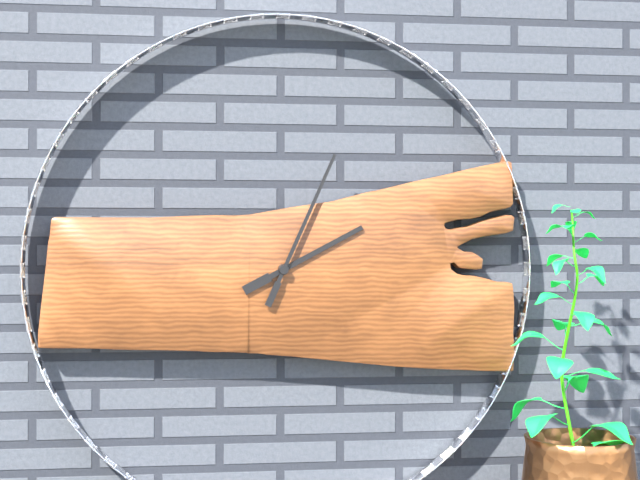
2:04
